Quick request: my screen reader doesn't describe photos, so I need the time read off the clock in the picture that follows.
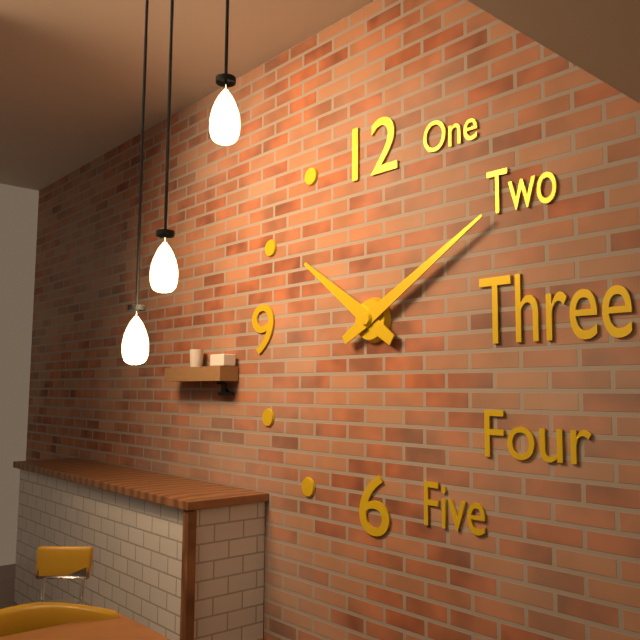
10:10
